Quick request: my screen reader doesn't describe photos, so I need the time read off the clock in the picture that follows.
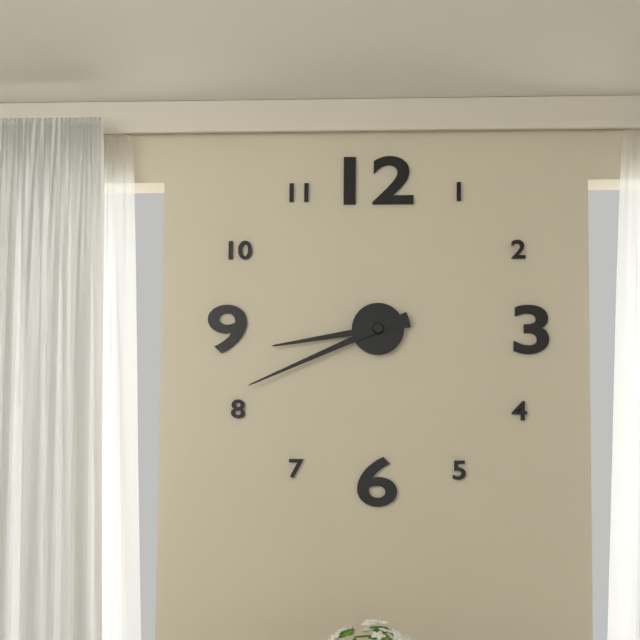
8:41
